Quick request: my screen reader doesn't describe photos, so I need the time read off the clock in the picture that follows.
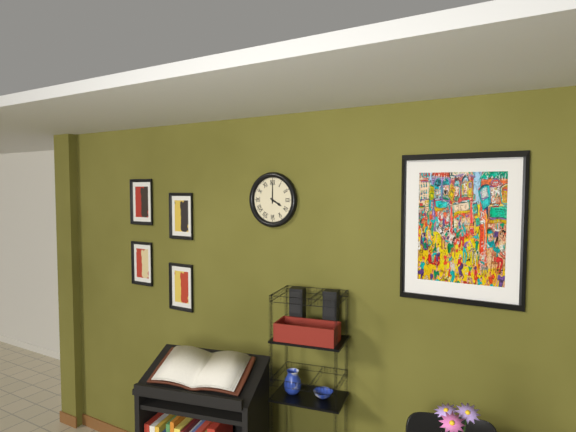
4:00
